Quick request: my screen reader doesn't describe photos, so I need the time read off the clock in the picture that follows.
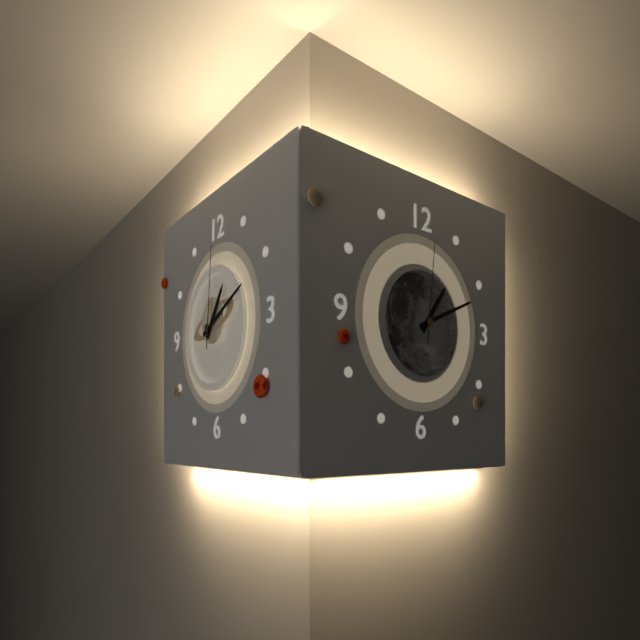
1:11:01
